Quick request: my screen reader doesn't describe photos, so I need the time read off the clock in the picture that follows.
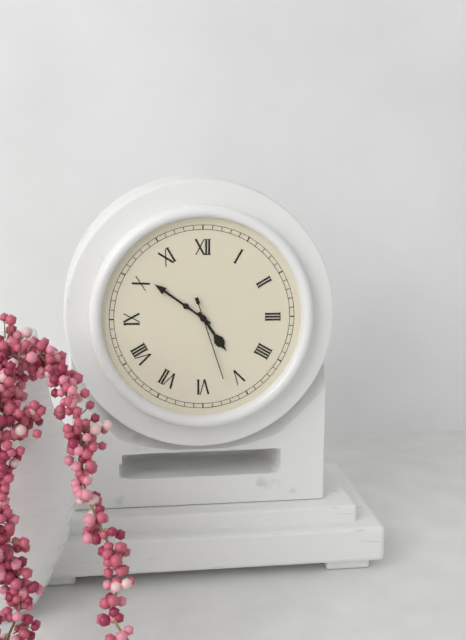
4:51:27
